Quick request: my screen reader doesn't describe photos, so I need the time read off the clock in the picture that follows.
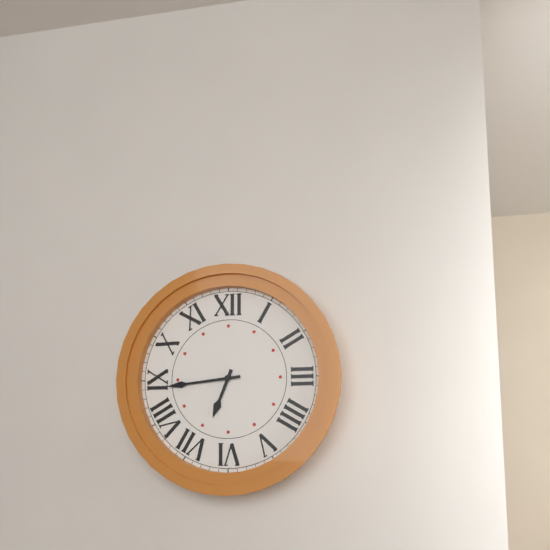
6:44
